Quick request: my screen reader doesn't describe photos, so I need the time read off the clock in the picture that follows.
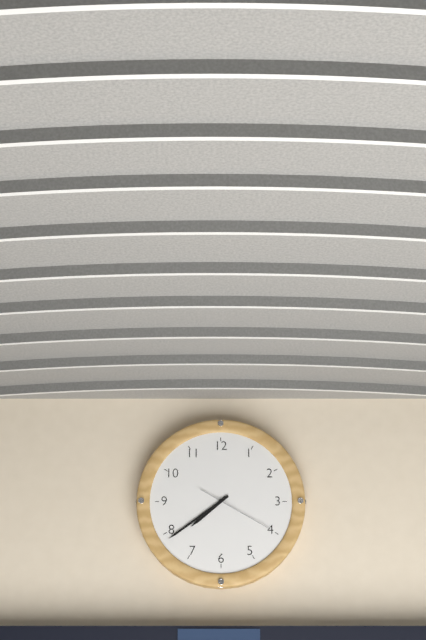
7:39:20
